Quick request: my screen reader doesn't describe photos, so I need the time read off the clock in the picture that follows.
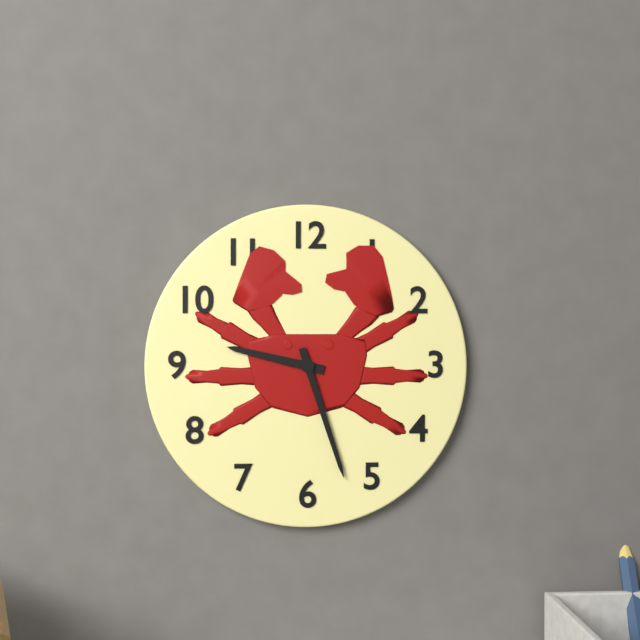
9:27
